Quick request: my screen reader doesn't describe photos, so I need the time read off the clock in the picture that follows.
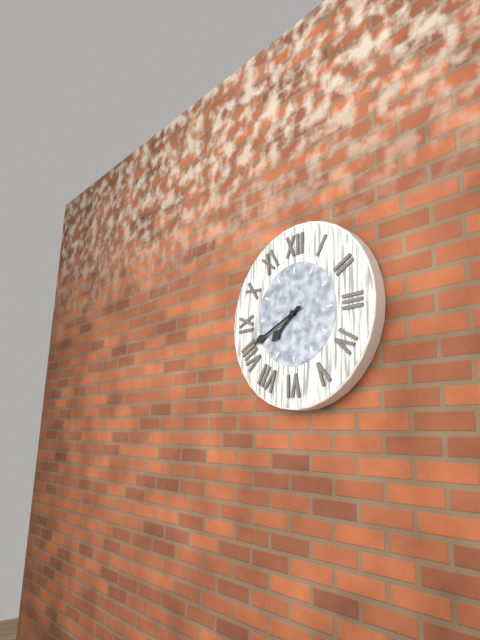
7:41
